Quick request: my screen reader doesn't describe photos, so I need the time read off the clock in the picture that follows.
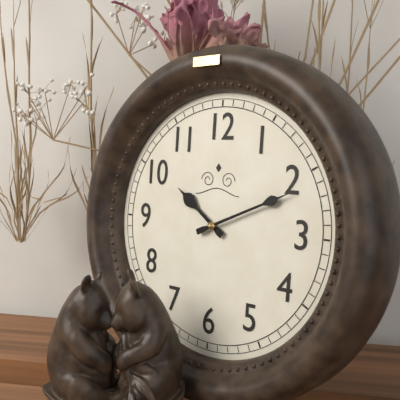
10:11
